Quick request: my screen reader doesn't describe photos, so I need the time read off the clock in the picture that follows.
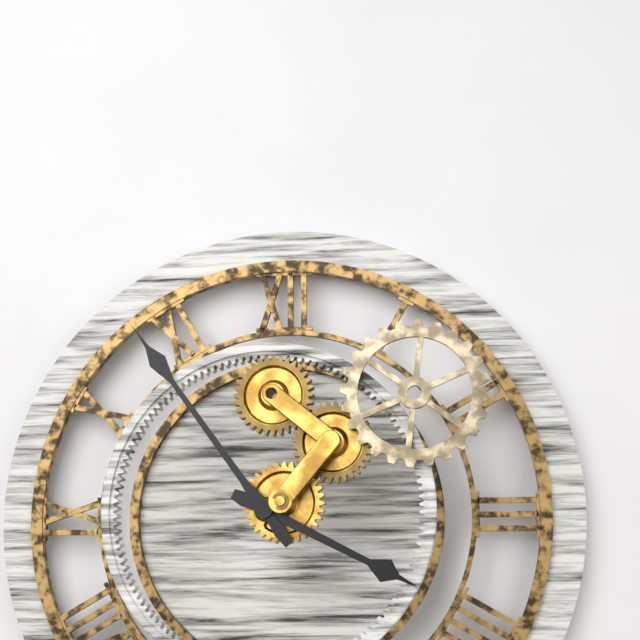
3:54
